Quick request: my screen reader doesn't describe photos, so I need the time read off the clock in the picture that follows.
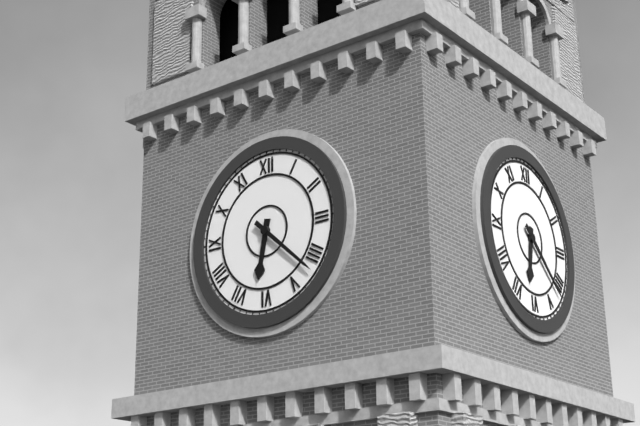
6:22
